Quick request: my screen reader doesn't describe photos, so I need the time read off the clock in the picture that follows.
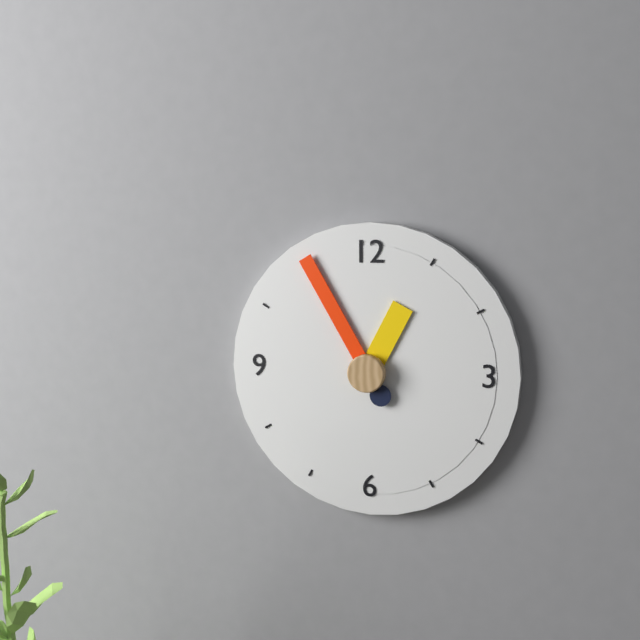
12:55
